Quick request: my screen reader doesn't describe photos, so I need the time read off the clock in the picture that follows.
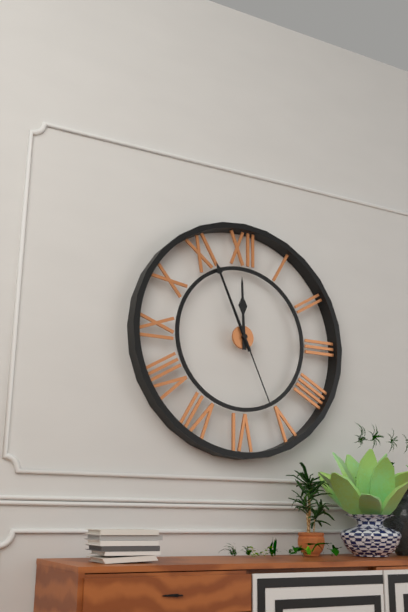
11:56:26
